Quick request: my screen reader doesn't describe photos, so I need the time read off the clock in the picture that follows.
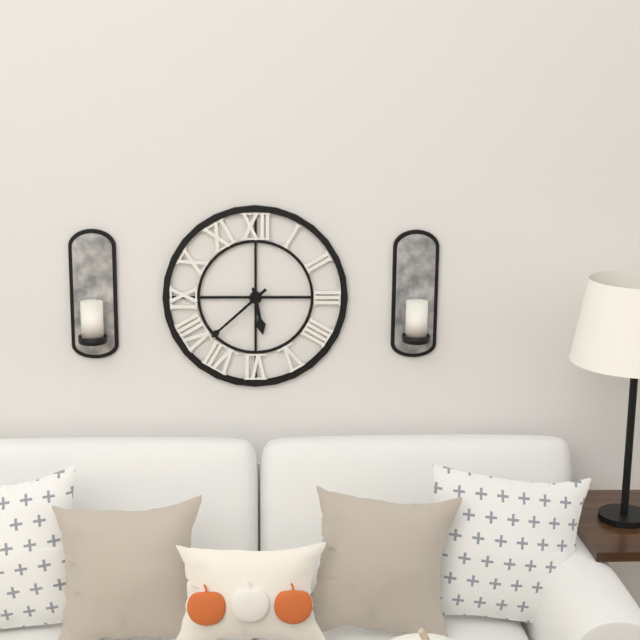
5:38
